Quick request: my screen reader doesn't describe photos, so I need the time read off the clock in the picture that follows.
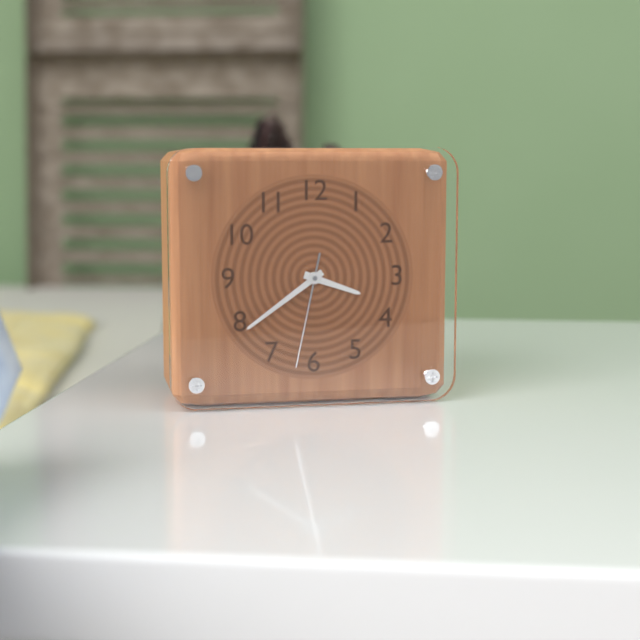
3:39:32
